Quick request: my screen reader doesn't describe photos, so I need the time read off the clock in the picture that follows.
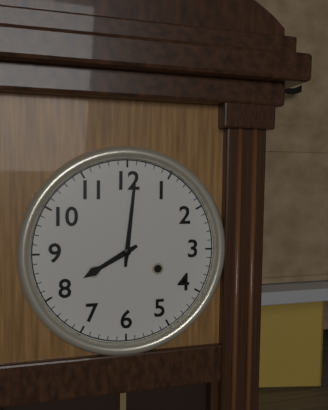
8:01
